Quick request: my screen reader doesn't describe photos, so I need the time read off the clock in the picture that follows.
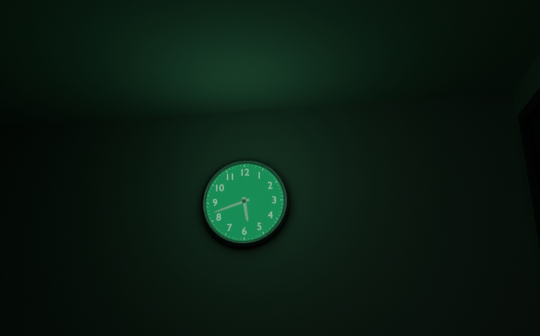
5:42
